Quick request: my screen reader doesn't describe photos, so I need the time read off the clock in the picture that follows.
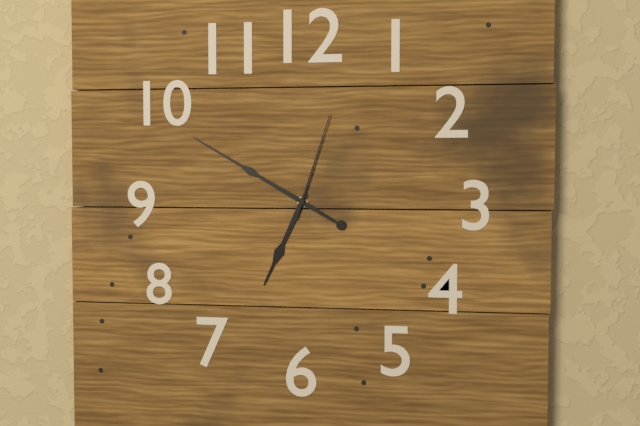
6:50:03
